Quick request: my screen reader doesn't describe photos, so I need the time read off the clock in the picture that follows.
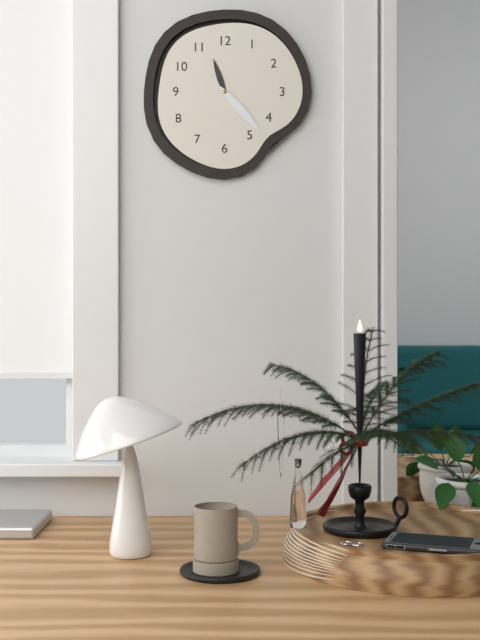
11:23
